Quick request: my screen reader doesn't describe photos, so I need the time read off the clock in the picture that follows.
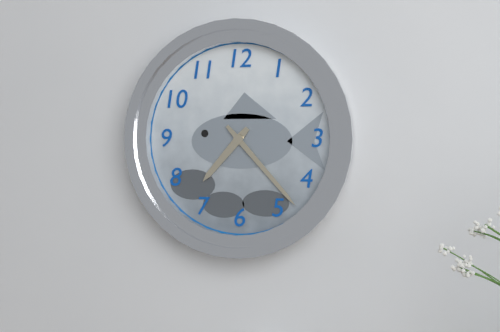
7:23
